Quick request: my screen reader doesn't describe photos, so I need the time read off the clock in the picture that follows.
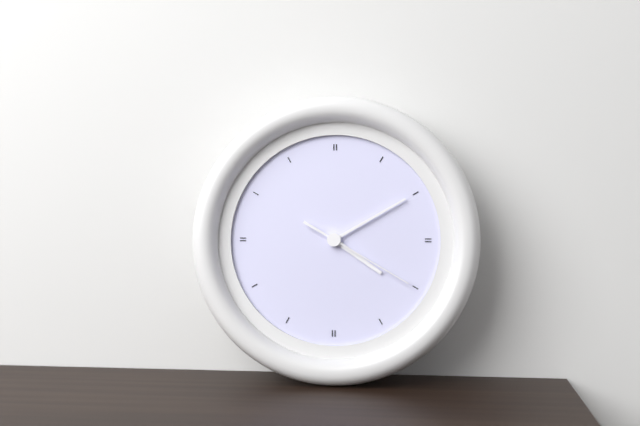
4:10:20
